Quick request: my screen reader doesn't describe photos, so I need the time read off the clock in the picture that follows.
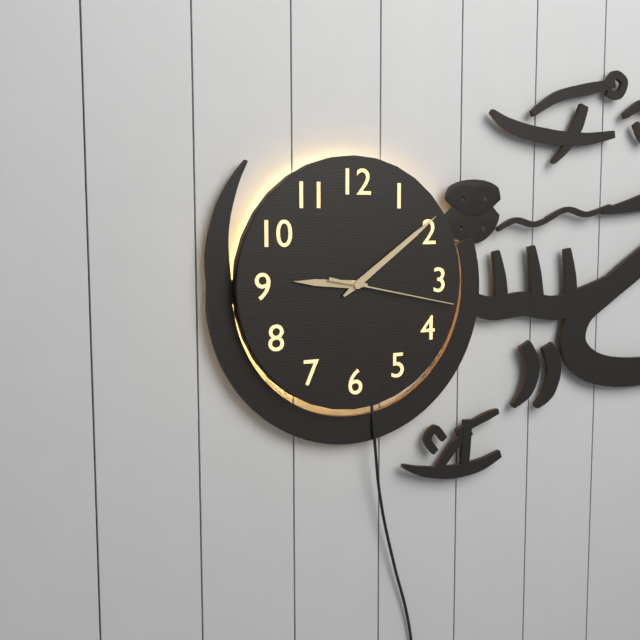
9:09:17
